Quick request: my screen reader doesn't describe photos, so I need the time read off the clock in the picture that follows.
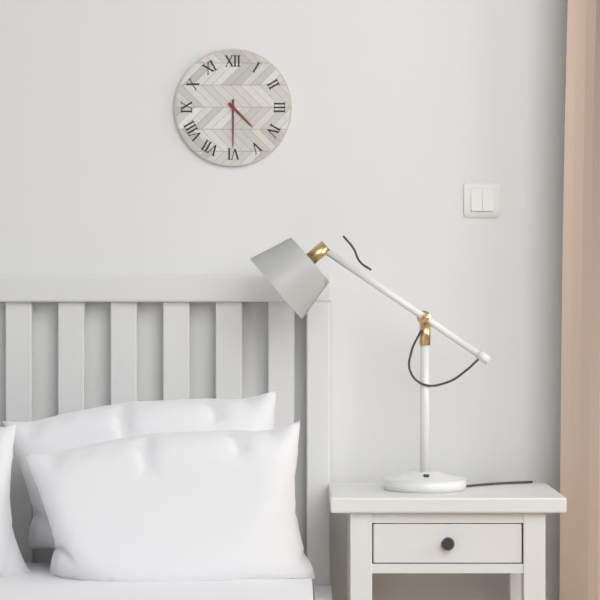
4:30
